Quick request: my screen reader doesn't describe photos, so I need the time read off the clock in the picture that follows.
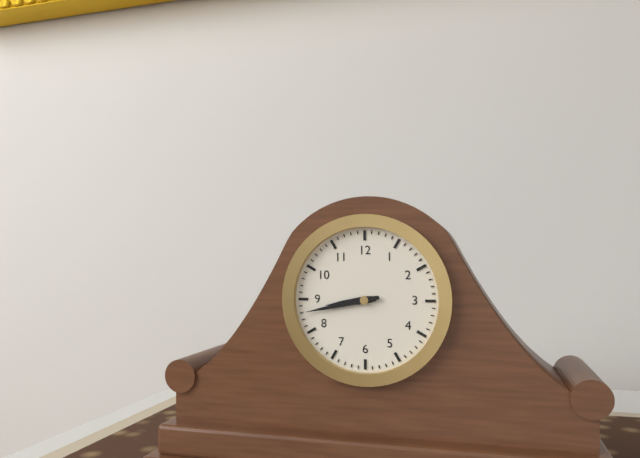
8:43
